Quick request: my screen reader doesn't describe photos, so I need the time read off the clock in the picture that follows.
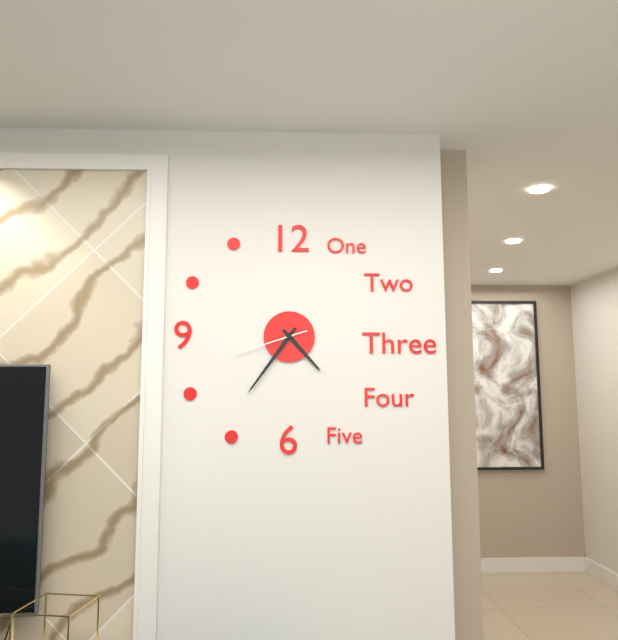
4:36:42
